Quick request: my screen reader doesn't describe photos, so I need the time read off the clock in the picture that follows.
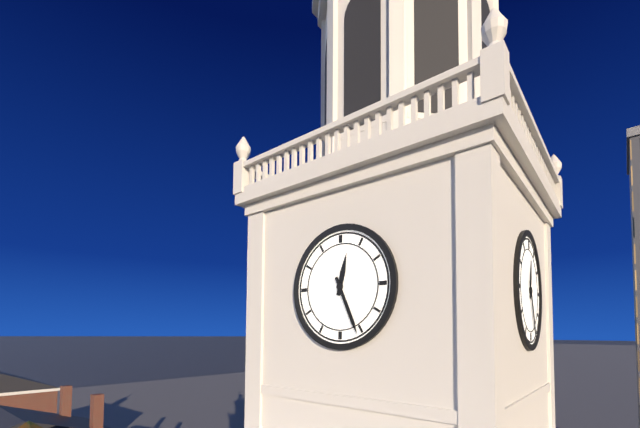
12:26
